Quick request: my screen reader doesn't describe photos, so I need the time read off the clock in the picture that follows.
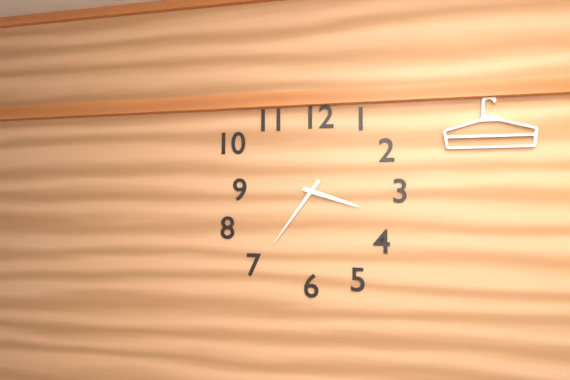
3:36
